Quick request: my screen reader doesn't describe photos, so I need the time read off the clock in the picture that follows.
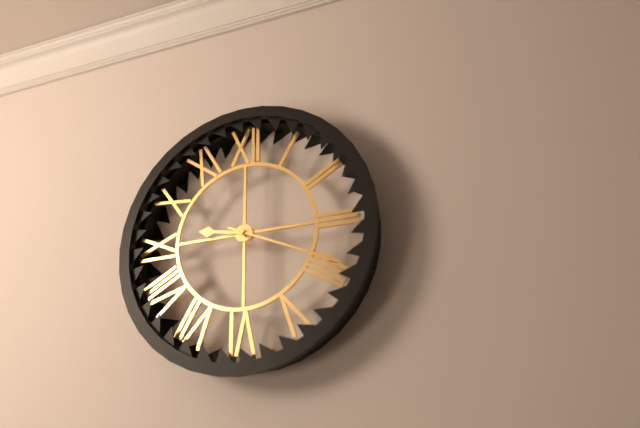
9:19
